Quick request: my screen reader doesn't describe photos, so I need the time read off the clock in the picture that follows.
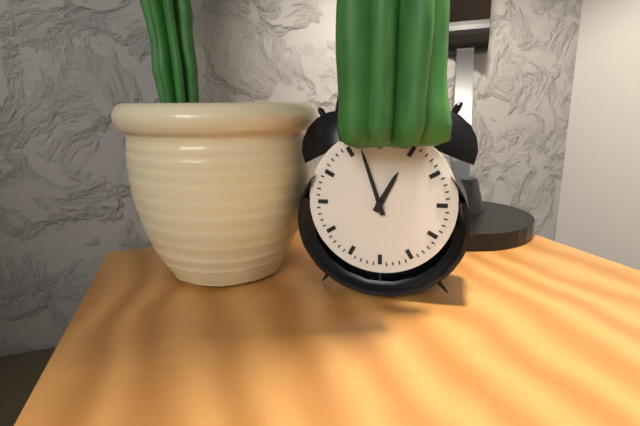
12:57
